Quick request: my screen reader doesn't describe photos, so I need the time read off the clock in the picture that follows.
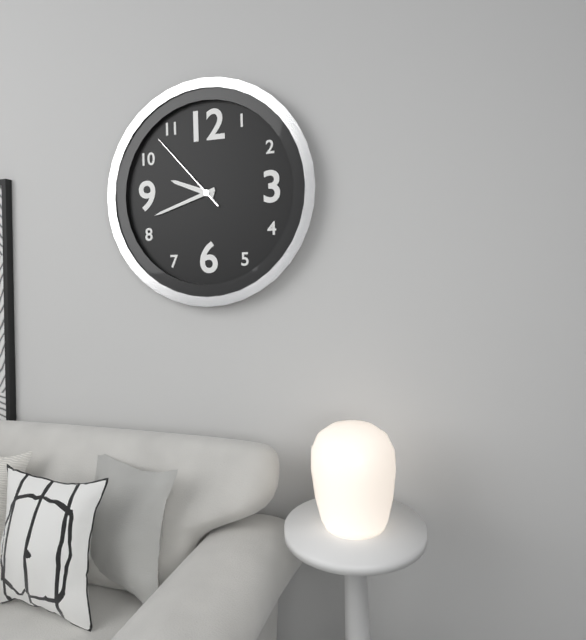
9:42:53
